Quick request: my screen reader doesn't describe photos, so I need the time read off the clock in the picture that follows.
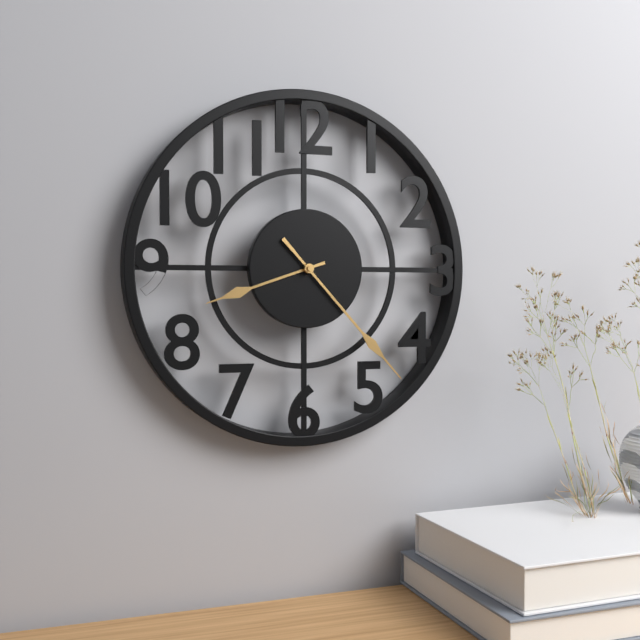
8:23
